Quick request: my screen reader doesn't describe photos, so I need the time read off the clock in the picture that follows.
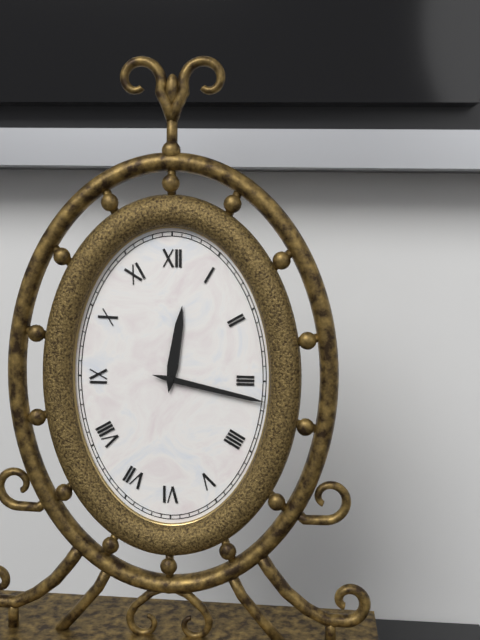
12:17
